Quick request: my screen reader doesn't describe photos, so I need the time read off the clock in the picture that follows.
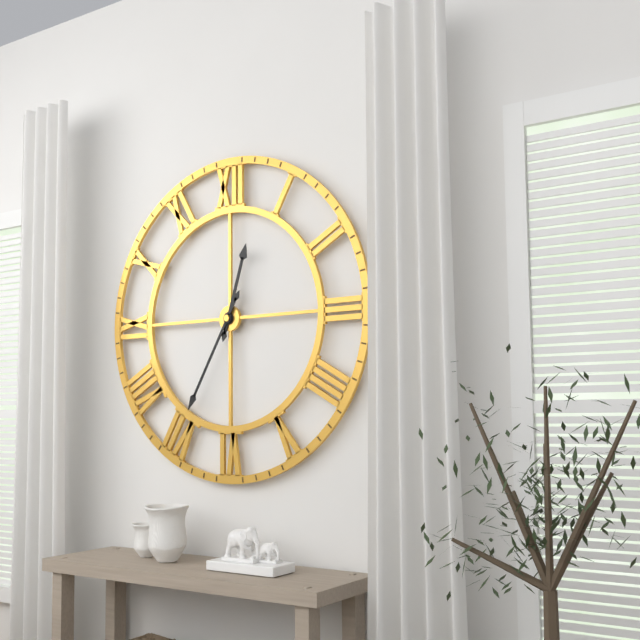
12:35
